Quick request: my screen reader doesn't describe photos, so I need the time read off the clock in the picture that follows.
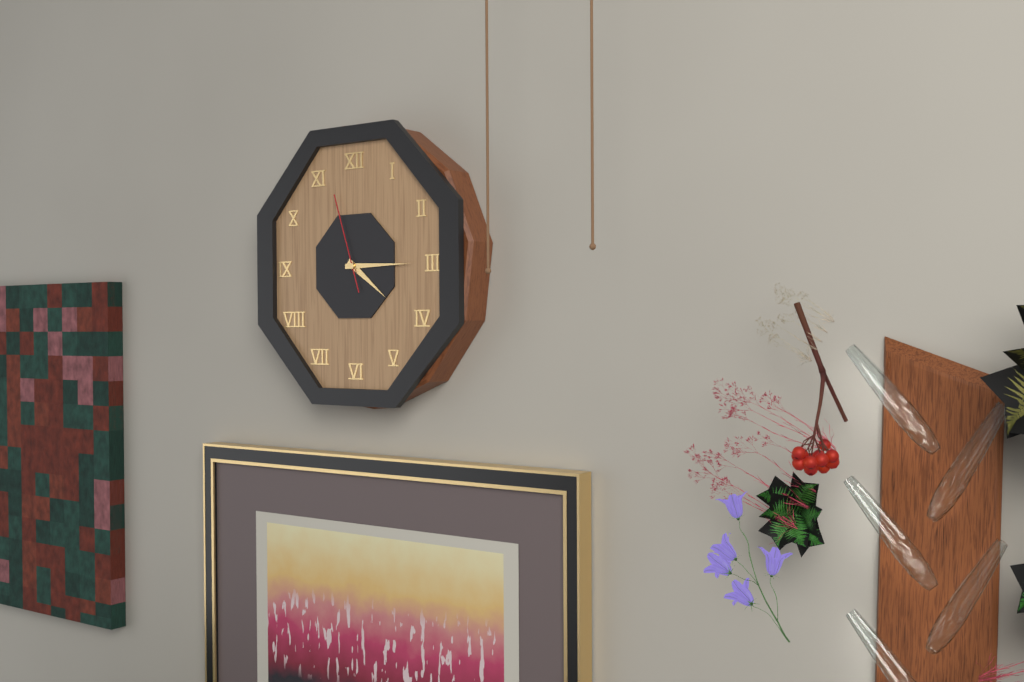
4:15:57
